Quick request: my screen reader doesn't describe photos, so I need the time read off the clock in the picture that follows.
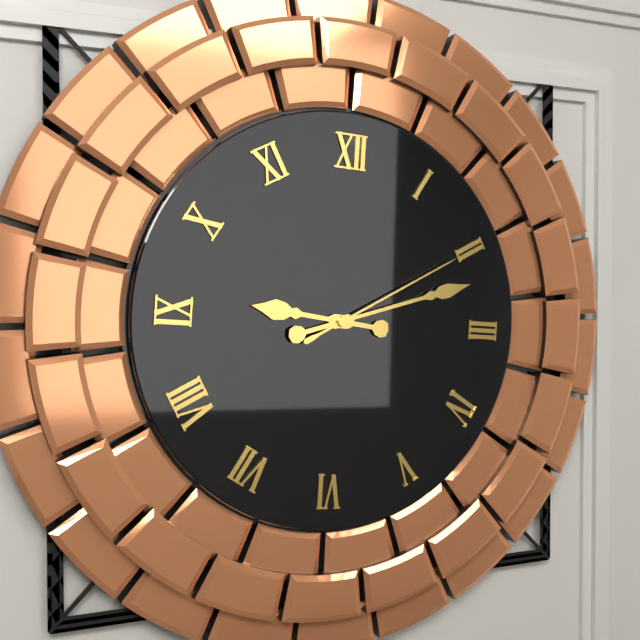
9:12:10
